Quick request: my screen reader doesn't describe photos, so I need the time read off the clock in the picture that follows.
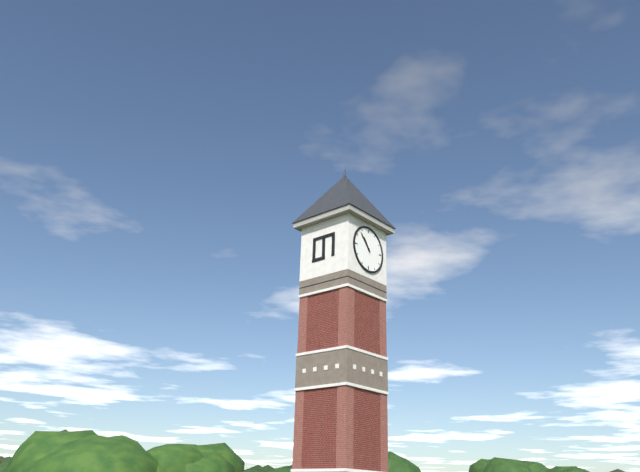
10:53
